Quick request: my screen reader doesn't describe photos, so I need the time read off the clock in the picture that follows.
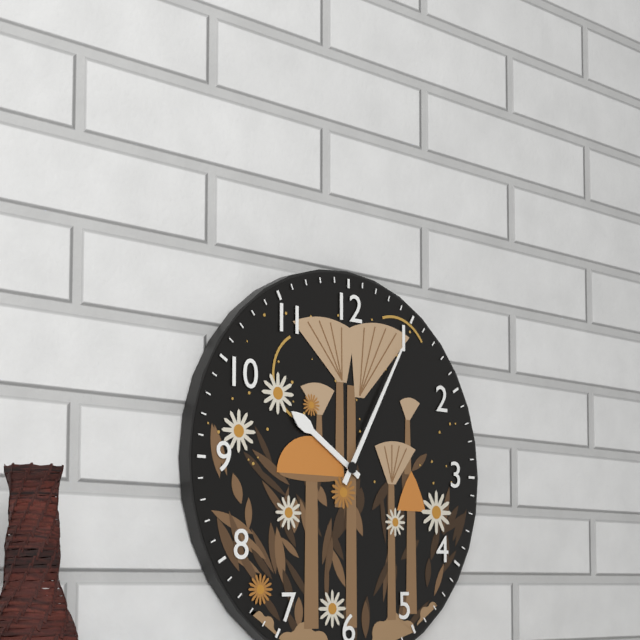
10:05
